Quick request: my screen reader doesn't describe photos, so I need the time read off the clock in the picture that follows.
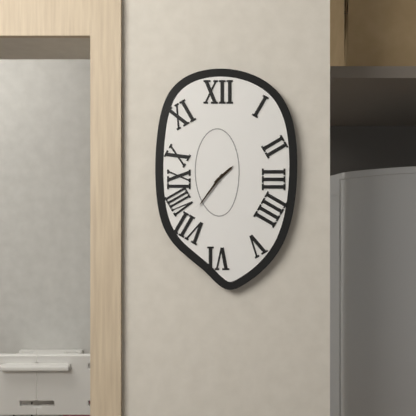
1:36
